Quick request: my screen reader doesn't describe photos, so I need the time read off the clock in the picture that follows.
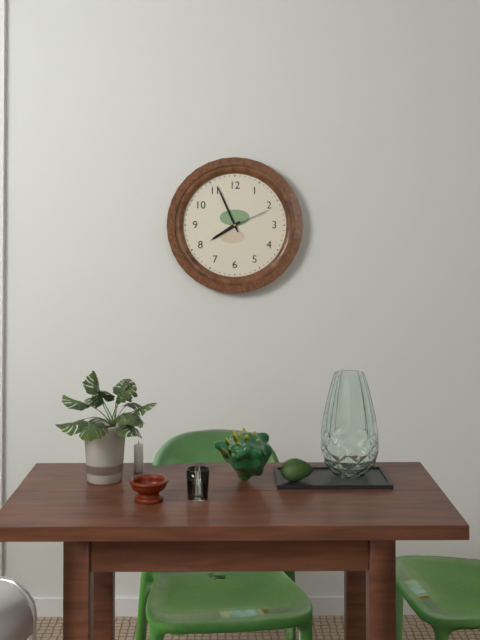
7:56
